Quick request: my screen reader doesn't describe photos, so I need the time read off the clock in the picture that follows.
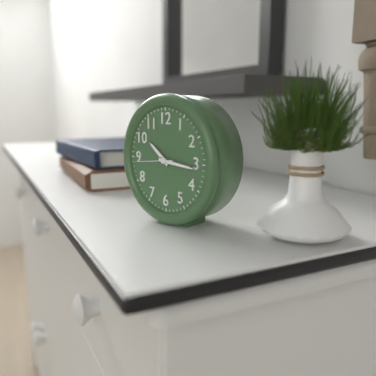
10:16:44
